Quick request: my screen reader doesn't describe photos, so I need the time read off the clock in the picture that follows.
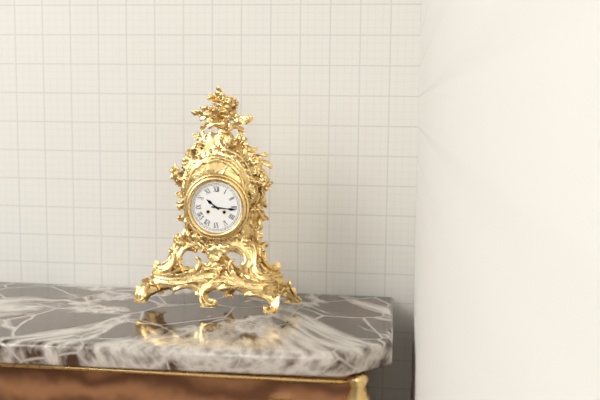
10:16
